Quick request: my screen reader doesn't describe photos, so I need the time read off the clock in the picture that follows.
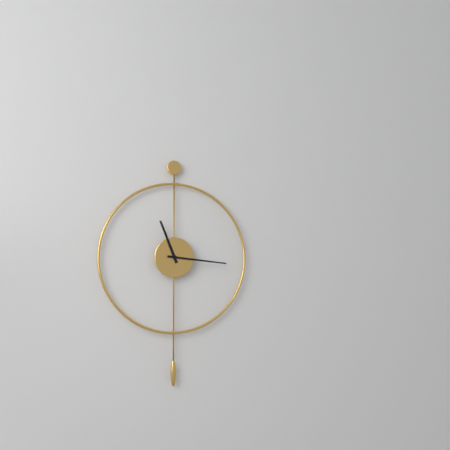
11:16
